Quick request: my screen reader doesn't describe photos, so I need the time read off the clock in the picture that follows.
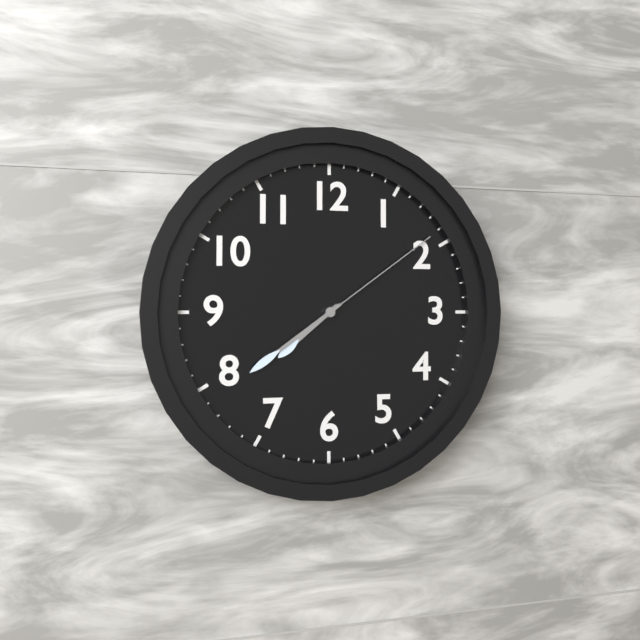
7:39:09
